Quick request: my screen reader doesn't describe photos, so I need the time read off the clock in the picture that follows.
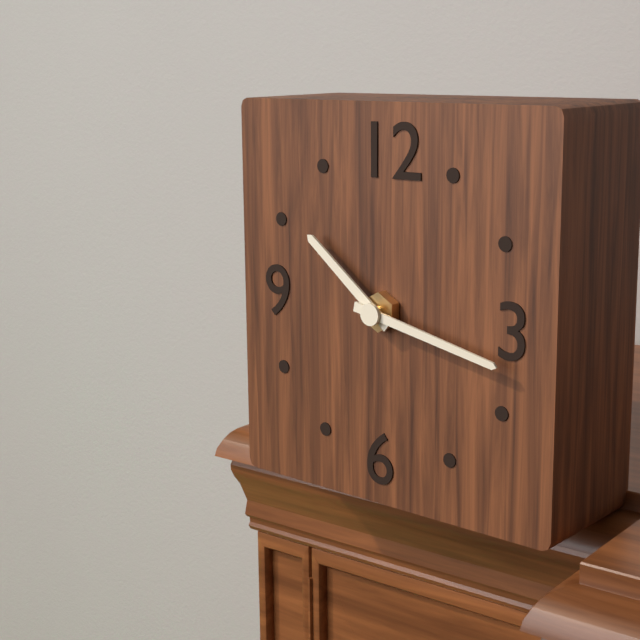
10:17
